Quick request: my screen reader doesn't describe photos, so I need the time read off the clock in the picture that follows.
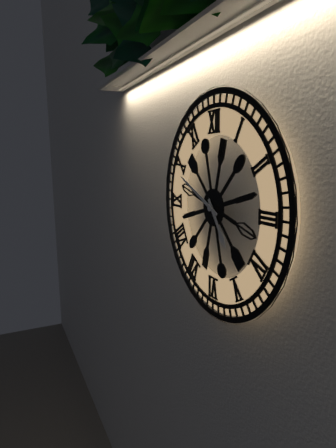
4:49
